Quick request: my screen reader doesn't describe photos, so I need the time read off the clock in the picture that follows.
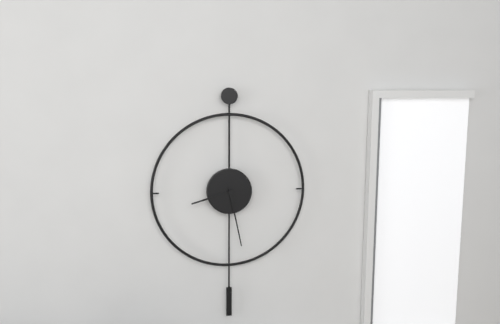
8:28
